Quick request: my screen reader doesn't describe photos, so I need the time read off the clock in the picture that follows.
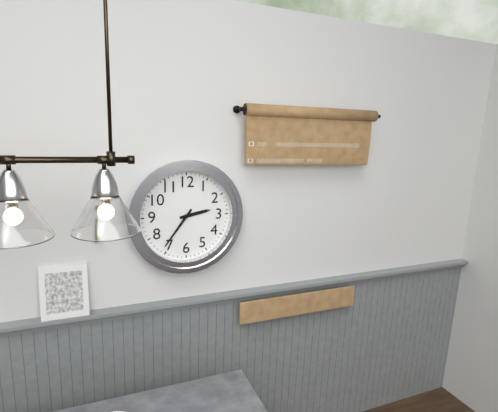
2:36
